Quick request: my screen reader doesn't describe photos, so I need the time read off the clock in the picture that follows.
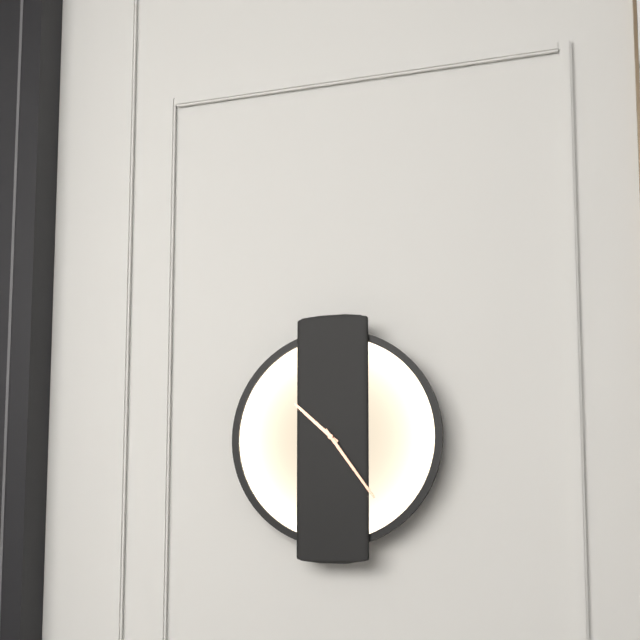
10:24
